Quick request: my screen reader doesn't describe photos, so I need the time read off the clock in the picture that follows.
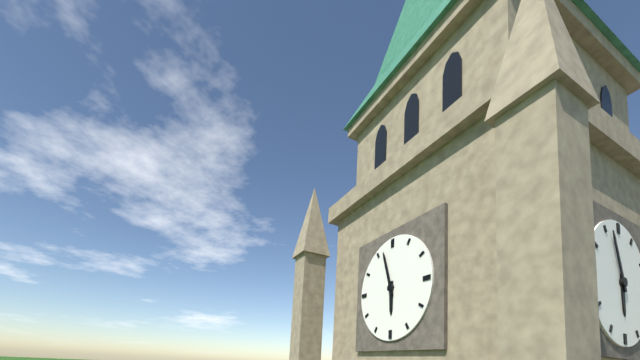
5:57
